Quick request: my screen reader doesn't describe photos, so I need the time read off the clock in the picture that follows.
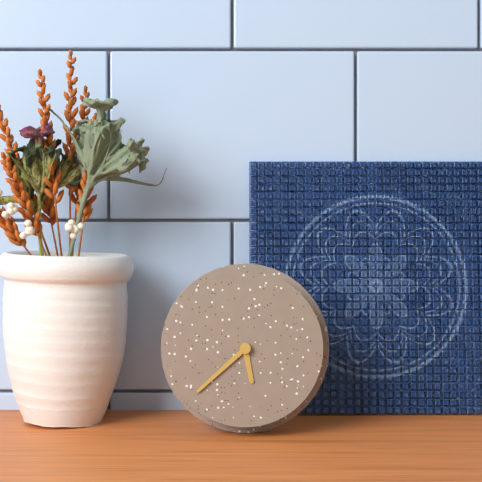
5:38
